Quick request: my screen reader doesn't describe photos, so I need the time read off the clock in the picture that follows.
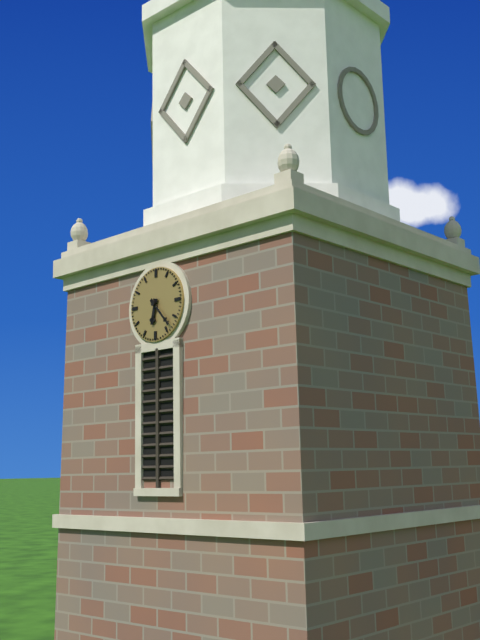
6:23
